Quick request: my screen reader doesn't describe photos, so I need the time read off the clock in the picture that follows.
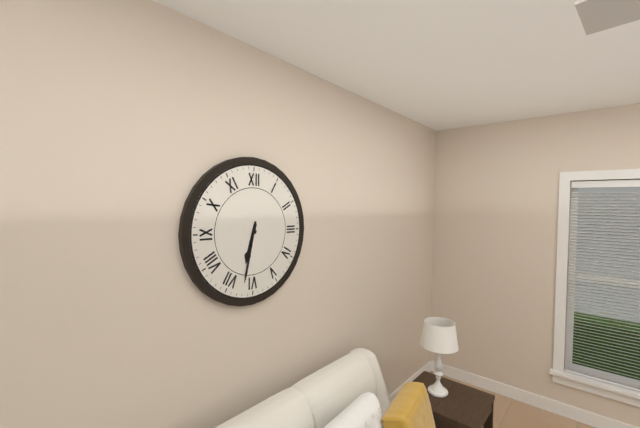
6:32
